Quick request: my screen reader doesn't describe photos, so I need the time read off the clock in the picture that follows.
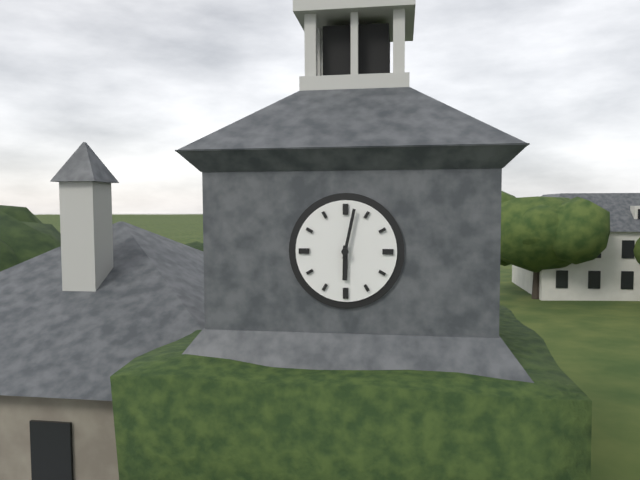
6:02
